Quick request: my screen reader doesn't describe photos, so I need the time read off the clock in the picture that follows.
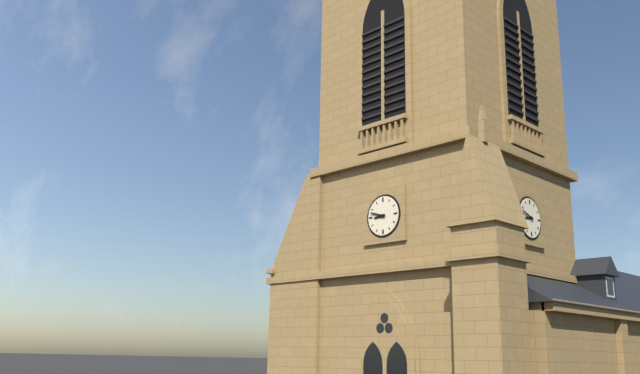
8:48
